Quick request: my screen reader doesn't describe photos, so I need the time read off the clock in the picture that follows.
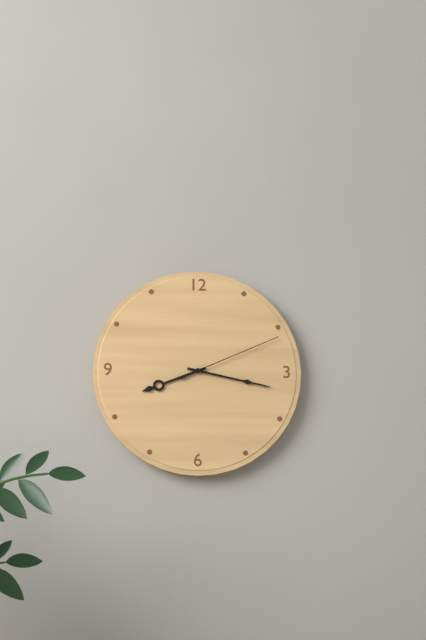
8:17:11
